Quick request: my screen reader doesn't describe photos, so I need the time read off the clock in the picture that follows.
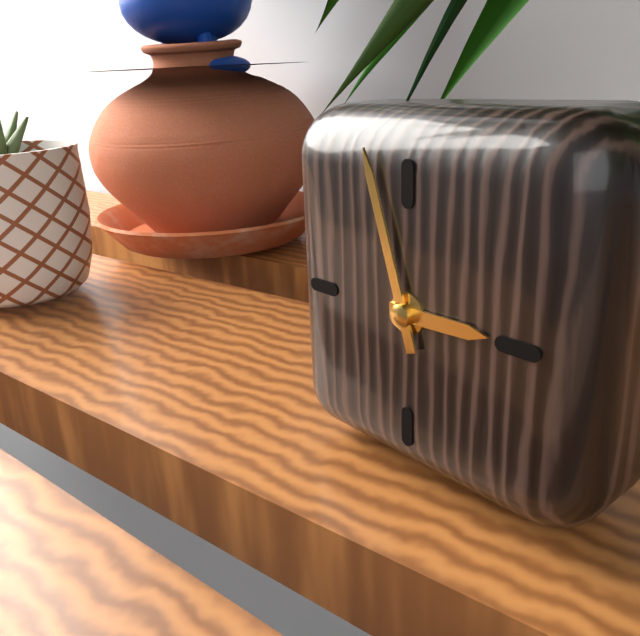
2:57
